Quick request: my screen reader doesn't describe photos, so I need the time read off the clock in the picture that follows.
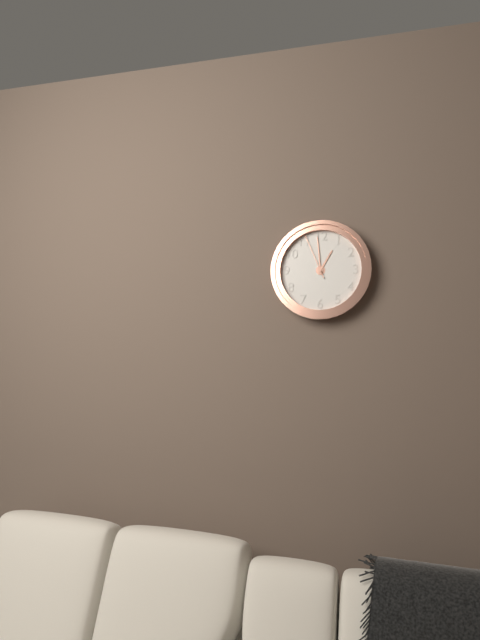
12:59
